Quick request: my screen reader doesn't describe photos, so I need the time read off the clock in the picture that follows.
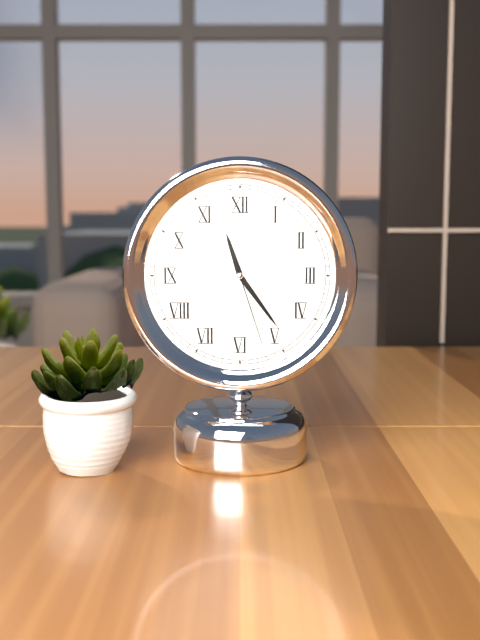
11:24:27
